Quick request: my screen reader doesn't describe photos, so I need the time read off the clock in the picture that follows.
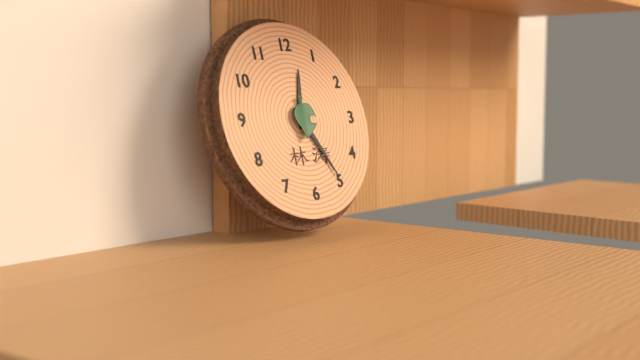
12:25
